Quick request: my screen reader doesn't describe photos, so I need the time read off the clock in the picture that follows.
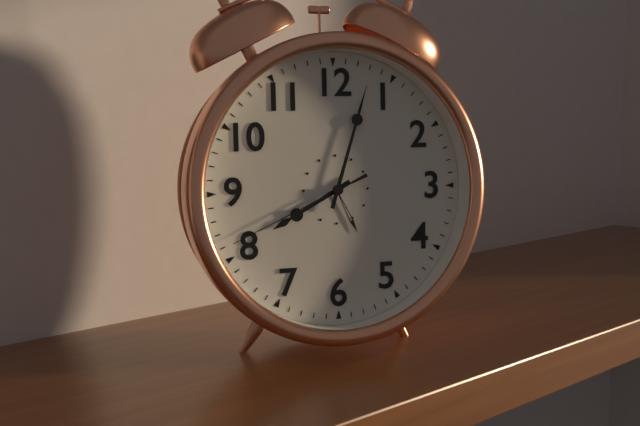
8:03:41
